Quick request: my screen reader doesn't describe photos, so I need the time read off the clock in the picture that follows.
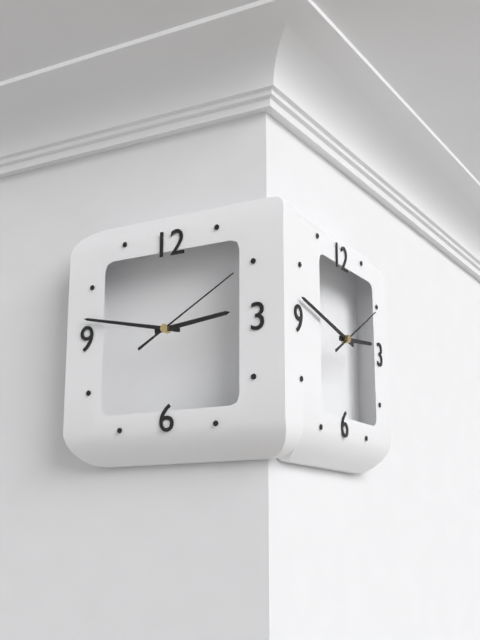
2:47:10
